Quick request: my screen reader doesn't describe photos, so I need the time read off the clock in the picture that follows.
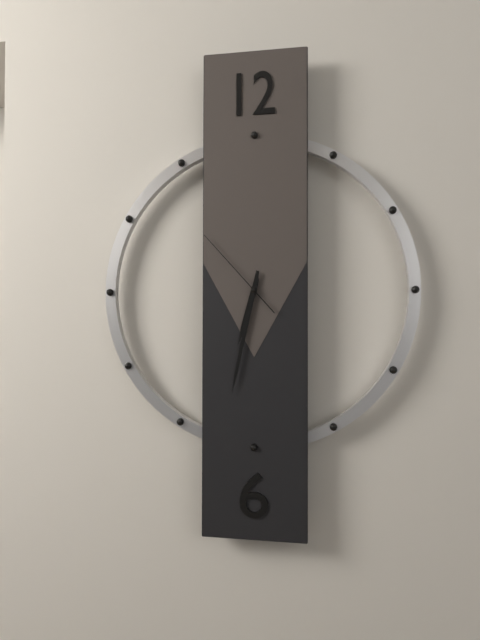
6:32:53
